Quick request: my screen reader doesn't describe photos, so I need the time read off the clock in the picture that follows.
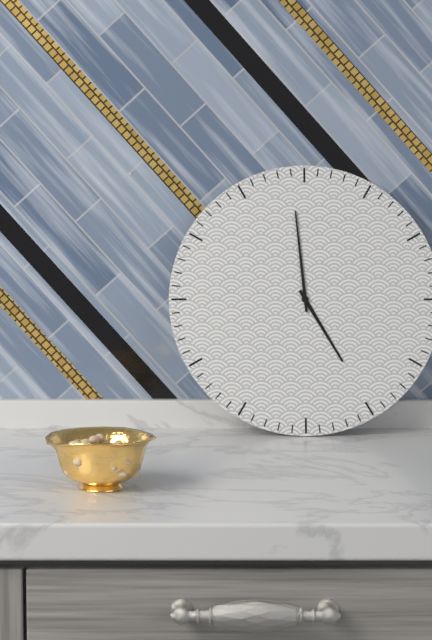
4:59
